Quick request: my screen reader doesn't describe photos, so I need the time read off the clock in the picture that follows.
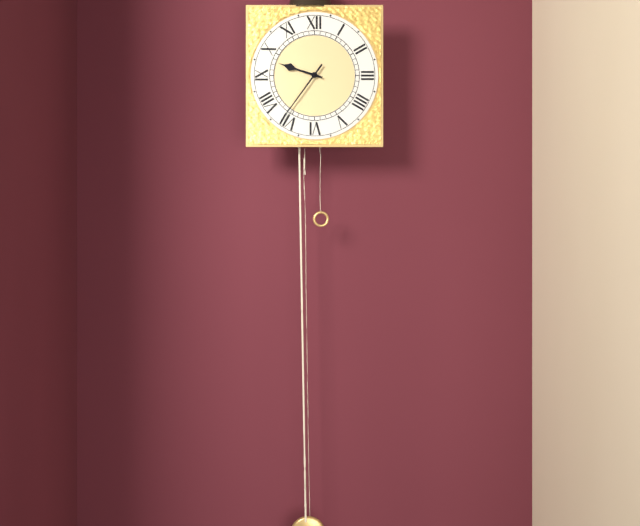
9:36
